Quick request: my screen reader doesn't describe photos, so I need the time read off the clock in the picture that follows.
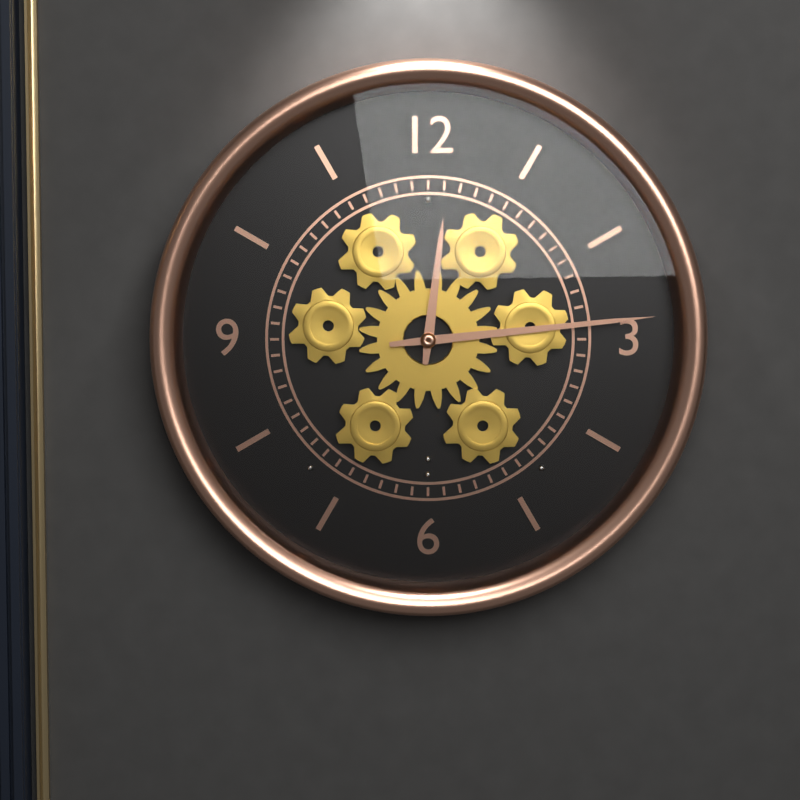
12:14
